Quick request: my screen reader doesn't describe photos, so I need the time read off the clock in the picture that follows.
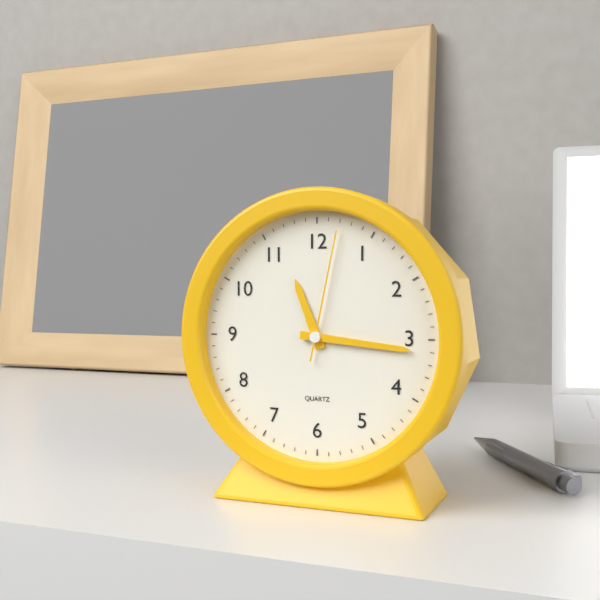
11:16:02
